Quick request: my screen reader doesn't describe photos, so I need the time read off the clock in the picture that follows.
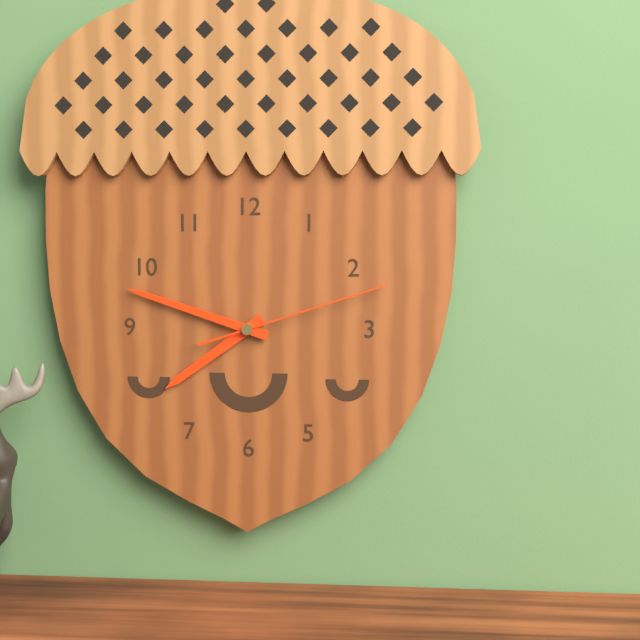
7:48:12
